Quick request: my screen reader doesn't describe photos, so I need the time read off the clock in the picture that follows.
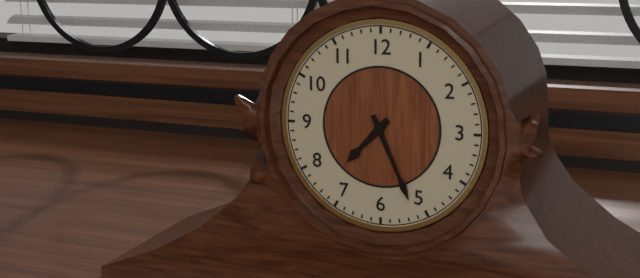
7:26
